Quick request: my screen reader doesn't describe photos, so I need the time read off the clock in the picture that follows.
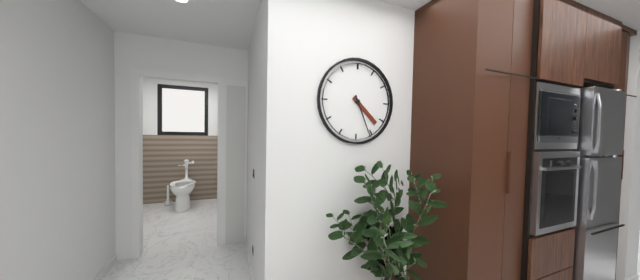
4:26
